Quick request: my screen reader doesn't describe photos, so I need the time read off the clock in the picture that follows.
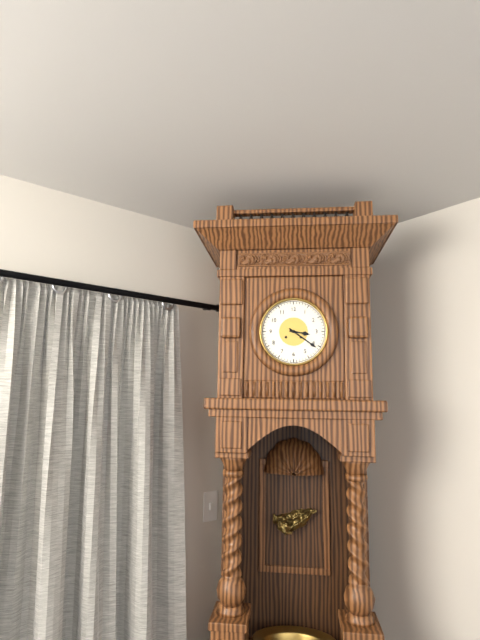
3:21
